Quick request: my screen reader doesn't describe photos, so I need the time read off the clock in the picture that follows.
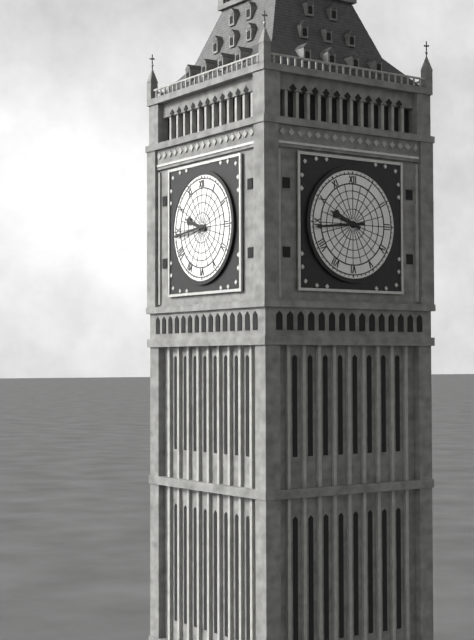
9:44
